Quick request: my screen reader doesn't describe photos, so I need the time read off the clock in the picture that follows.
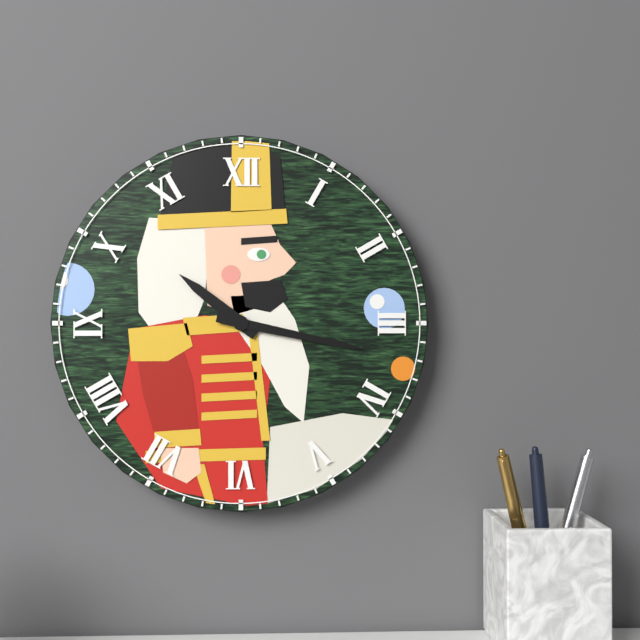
10:17
